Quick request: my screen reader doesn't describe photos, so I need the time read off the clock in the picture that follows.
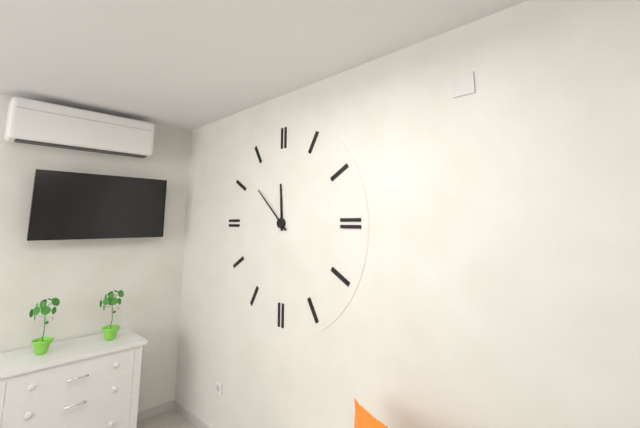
11:52
